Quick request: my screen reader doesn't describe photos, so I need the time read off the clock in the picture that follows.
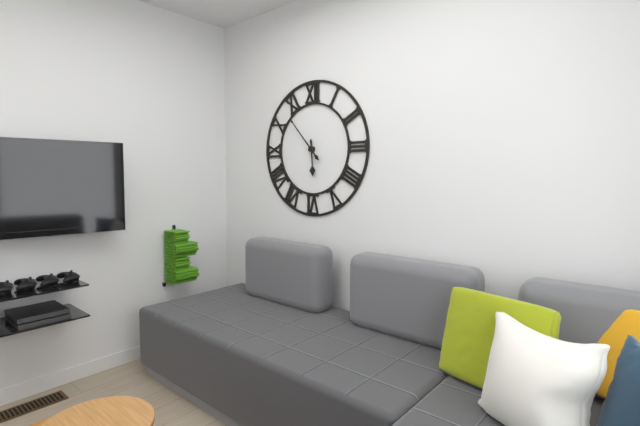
5:53
